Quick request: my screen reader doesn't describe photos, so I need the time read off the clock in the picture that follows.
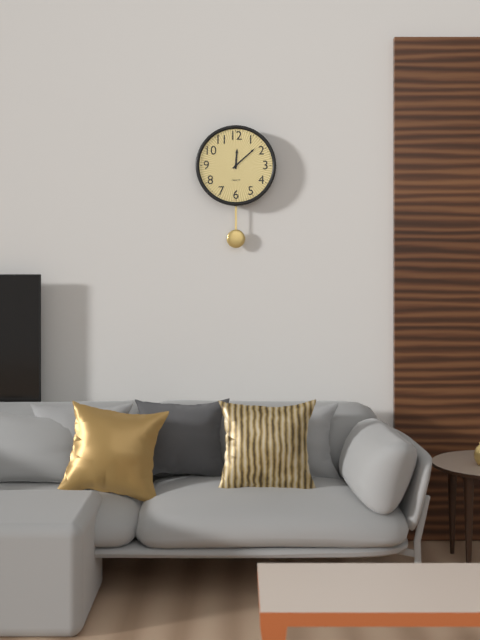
12:08
